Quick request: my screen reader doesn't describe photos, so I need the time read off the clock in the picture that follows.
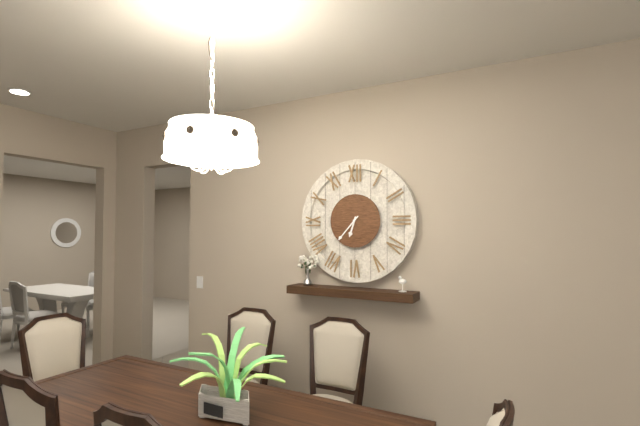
6:37
